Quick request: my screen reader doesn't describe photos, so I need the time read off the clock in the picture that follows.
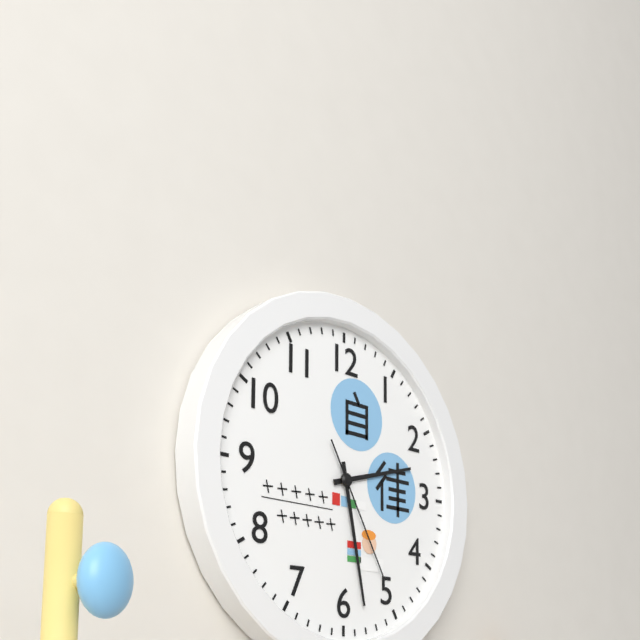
2:28:25
